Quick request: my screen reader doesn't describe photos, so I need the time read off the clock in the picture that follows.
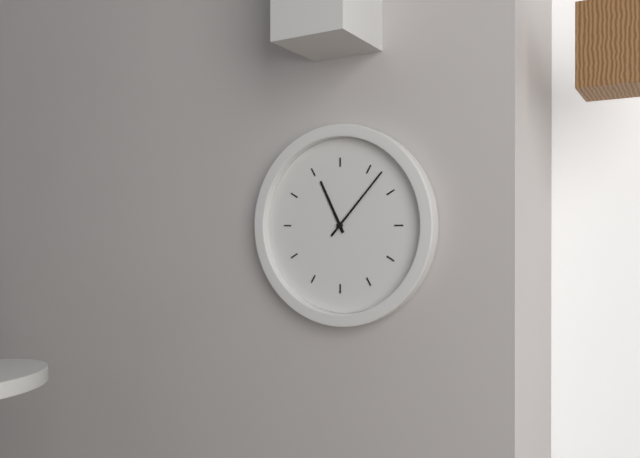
11:07
